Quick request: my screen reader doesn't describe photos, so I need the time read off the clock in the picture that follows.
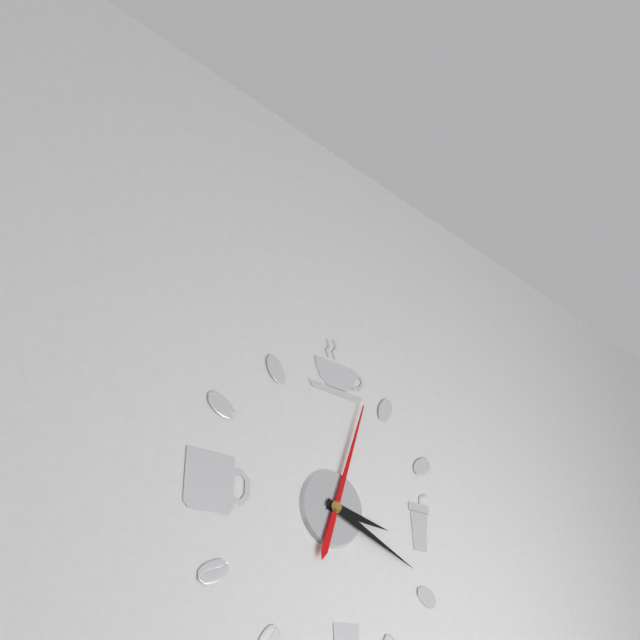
3:19:03
